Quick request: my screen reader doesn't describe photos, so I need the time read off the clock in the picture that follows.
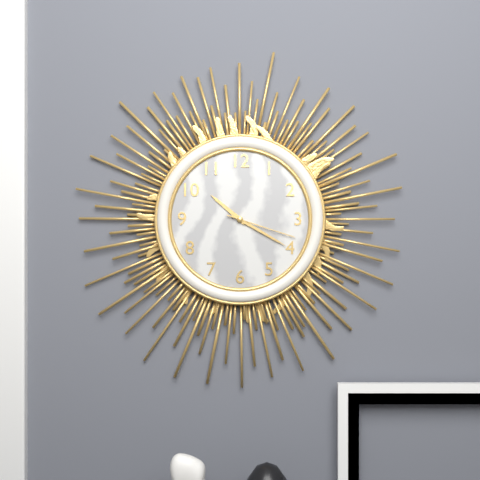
10:20:18
